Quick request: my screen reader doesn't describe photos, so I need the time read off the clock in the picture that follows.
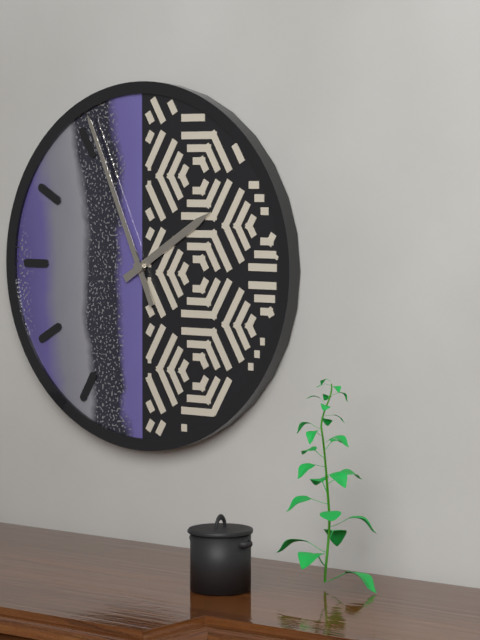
1:56
